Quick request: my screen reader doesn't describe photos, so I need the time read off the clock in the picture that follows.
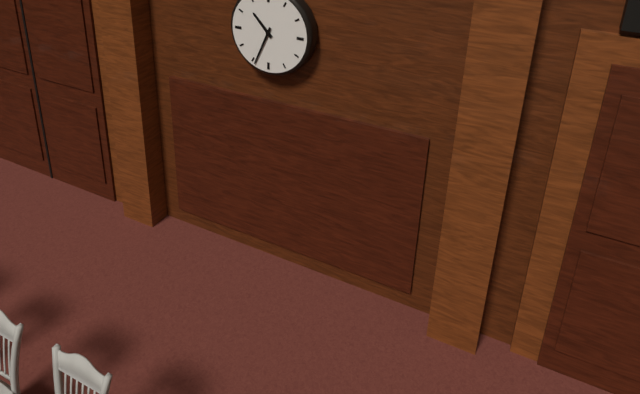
10:34
